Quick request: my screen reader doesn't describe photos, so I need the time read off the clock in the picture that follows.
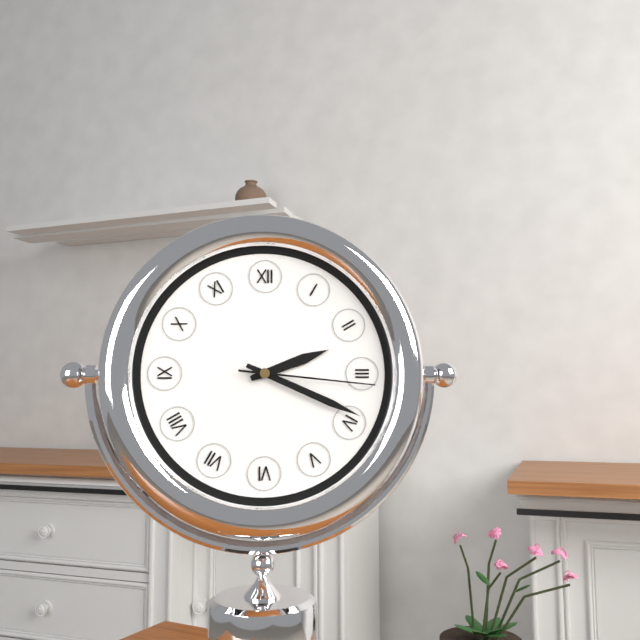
2:19:16
